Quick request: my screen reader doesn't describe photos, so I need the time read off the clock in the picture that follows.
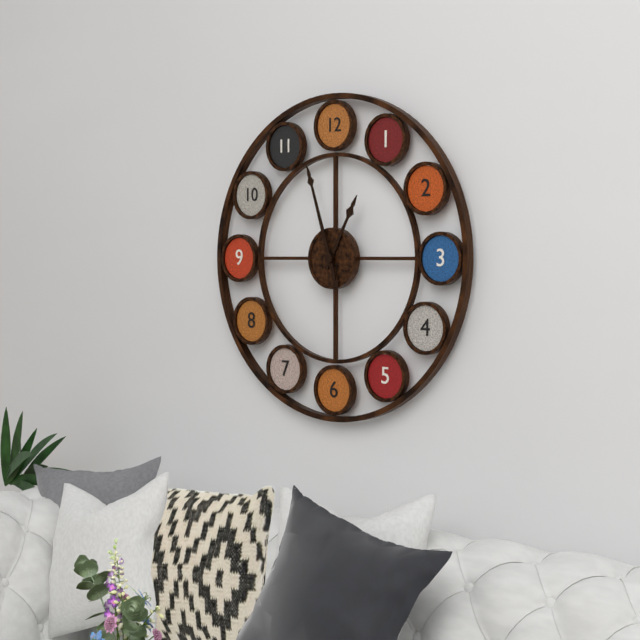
12:57
